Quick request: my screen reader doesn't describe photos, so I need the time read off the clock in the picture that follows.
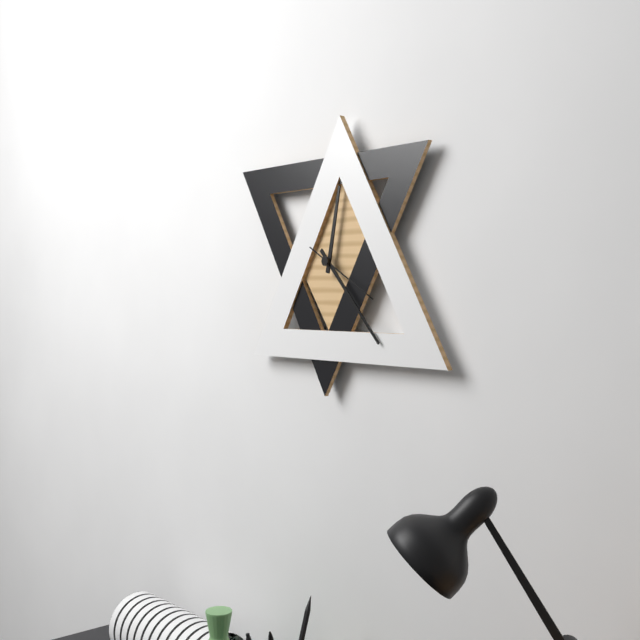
12:23:20
